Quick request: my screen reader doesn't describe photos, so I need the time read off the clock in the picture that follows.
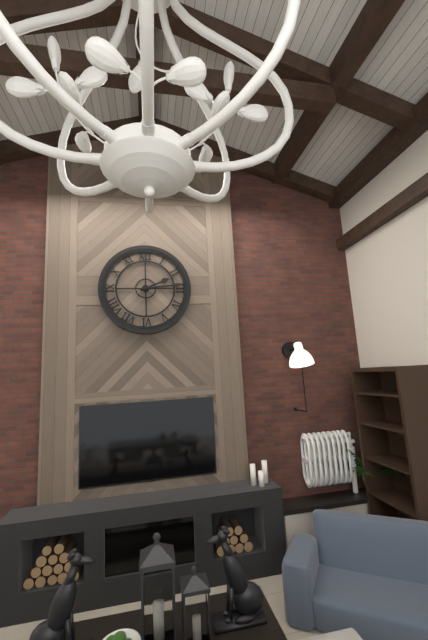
2:14
